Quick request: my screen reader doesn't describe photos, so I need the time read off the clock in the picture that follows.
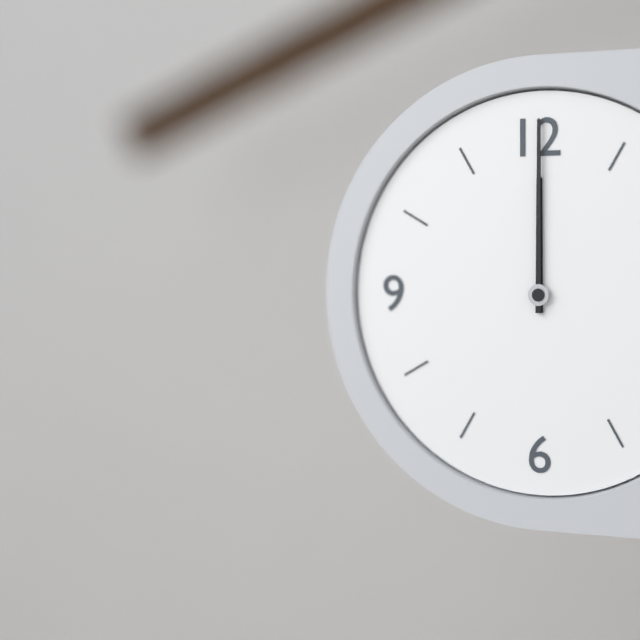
12:00
